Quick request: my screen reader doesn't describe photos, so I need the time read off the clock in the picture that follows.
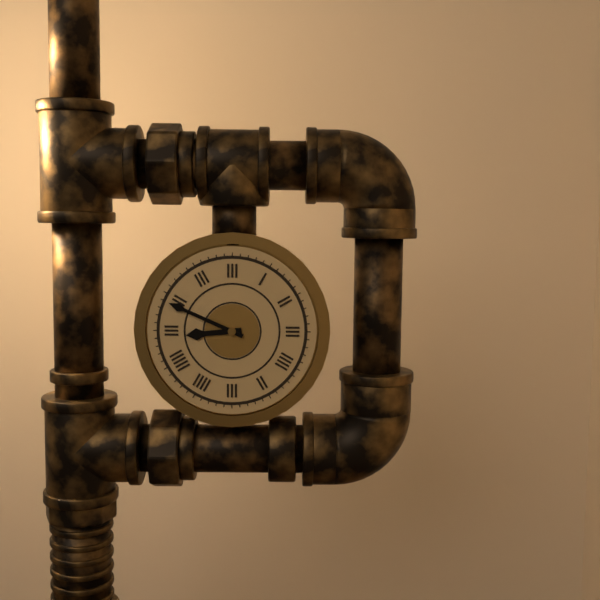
8:49
